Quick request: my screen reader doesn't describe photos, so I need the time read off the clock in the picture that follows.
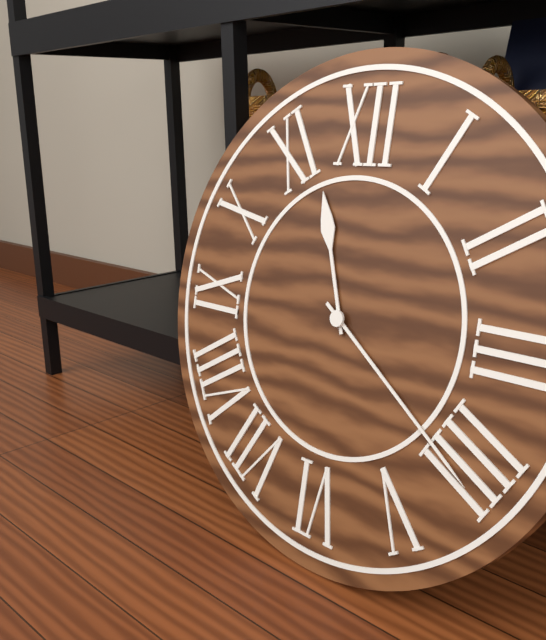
11:21
